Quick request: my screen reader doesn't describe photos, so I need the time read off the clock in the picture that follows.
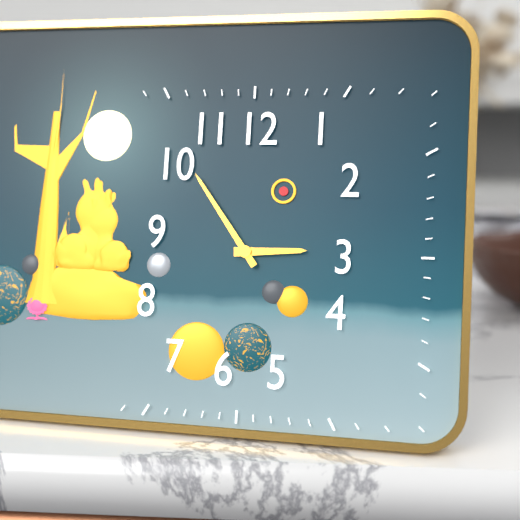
2:54
